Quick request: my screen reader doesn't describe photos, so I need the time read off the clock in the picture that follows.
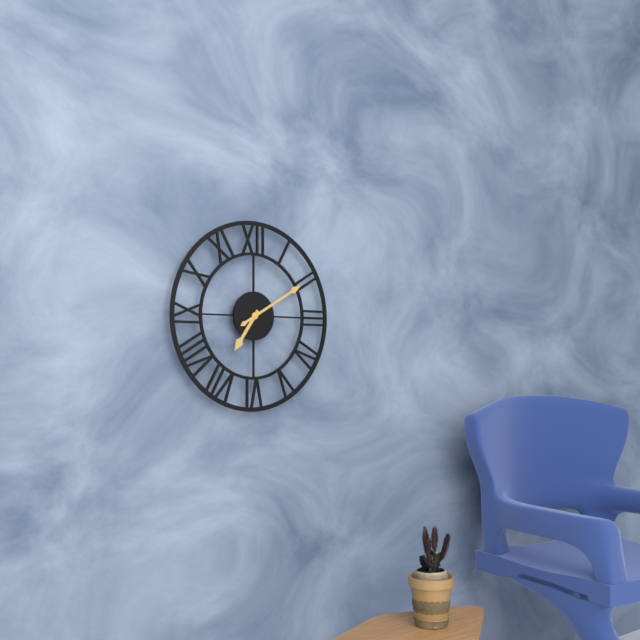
7:10
